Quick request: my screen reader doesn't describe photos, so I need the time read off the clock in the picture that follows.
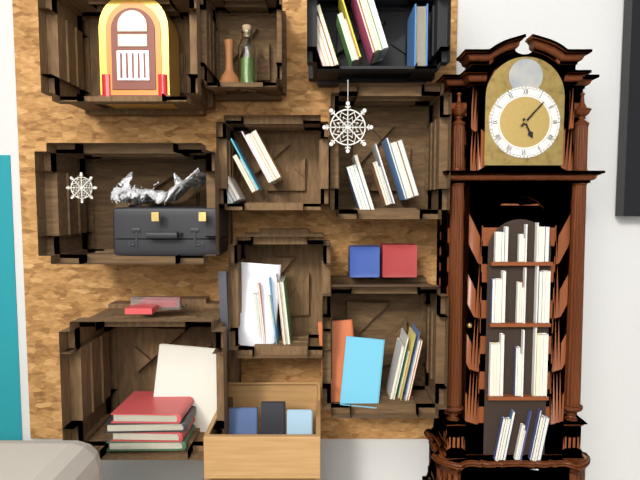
5:07
